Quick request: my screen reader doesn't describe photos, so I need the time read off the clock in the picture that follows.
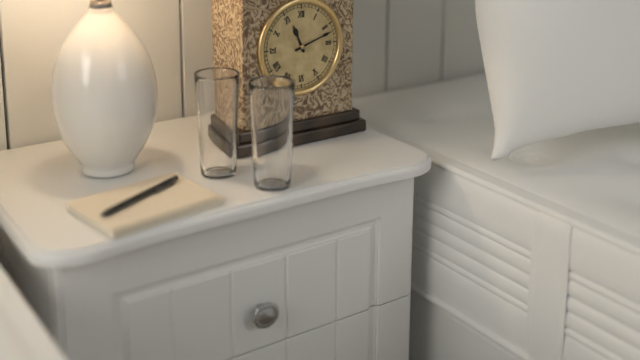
11:12
